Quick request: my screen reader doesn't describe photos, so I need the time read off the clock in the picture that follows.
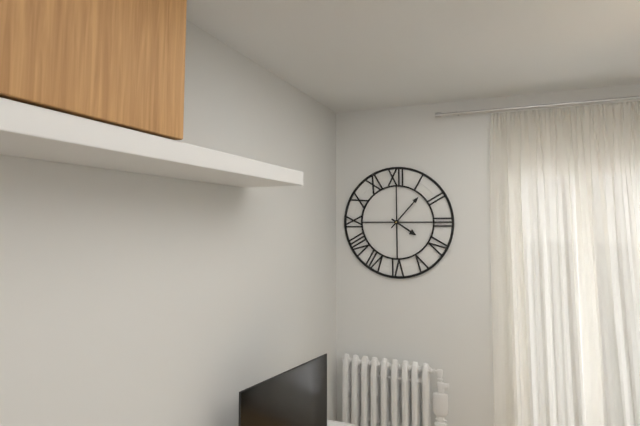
4:07
